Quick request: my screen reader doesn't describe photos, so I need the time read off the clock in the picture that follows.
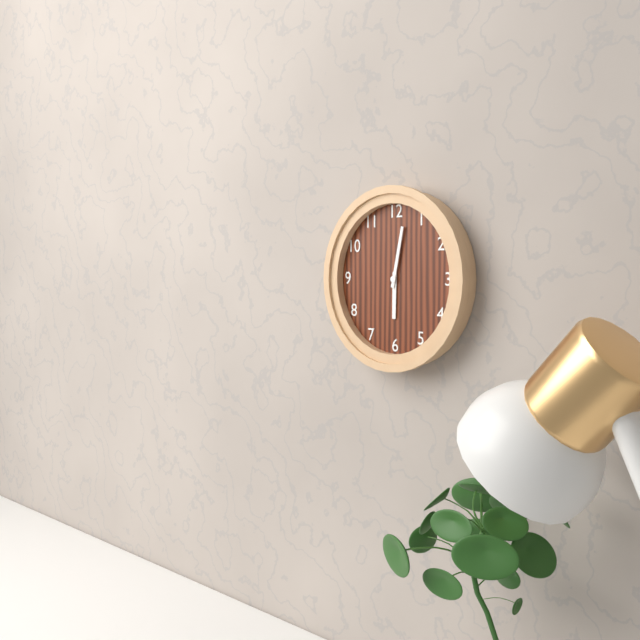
6:02
